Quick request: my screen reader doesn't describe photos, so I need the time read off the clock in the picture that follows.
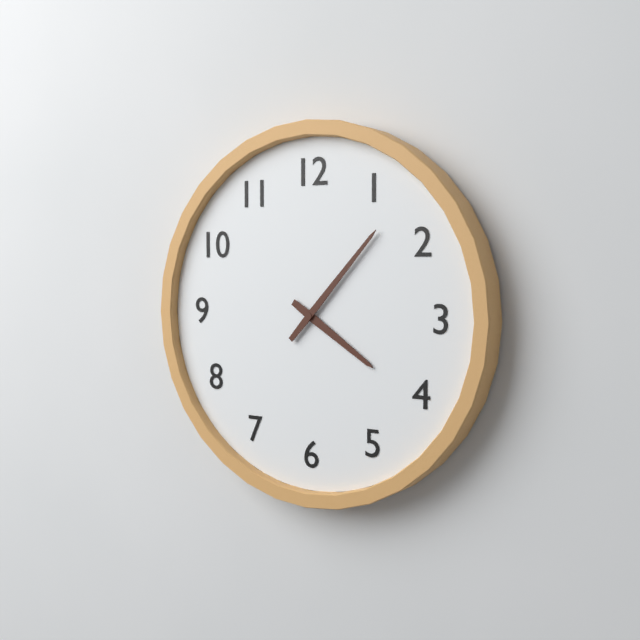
4:07
